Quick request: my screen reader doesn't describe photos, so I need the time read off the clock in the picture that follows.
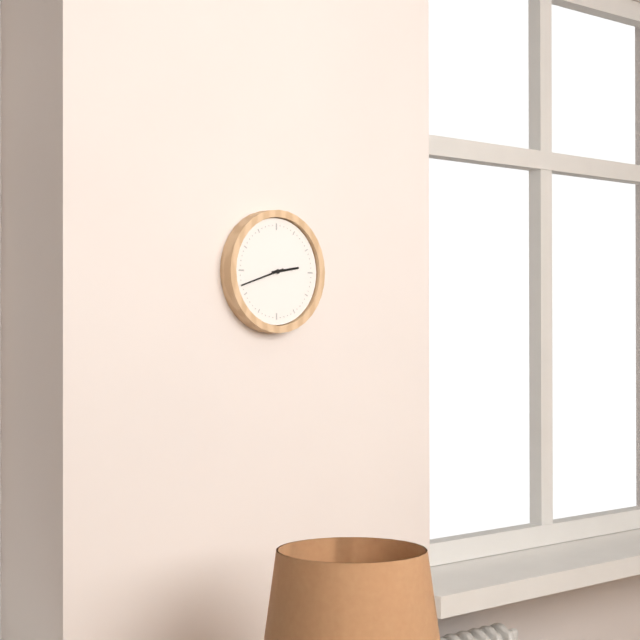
2:42
